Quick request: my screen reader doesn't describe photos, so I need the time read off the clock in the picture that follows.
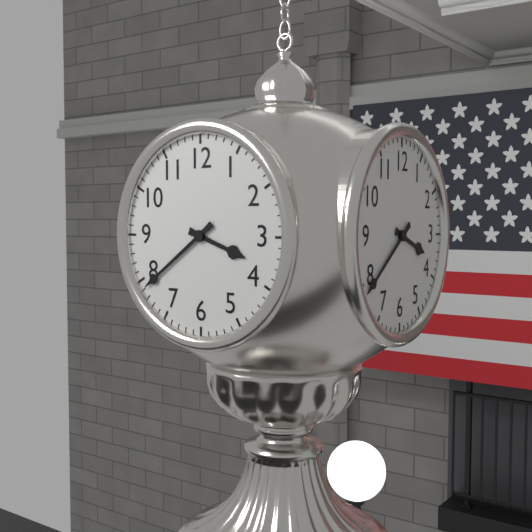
3:39
